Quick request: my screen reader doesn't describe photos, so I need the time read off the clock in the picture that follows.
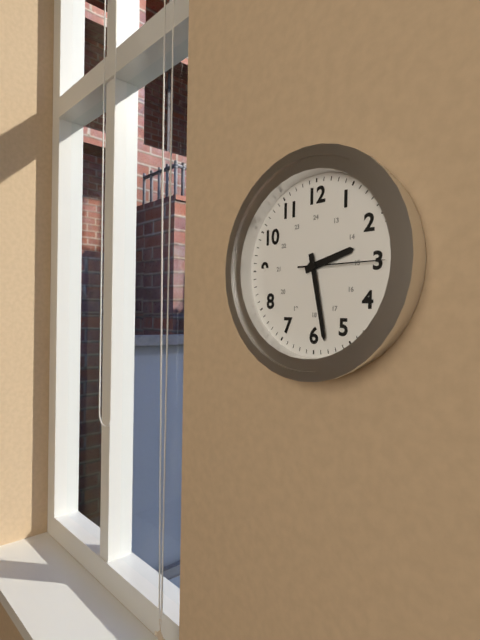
2:28:15
